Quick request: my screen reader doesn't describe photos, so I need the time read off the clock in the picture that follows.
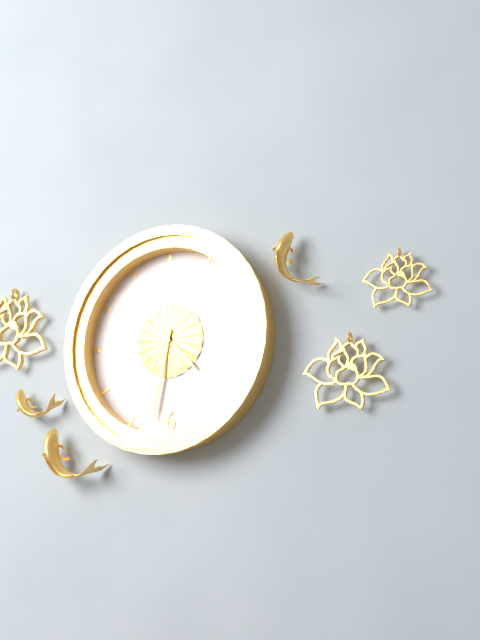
4:32
